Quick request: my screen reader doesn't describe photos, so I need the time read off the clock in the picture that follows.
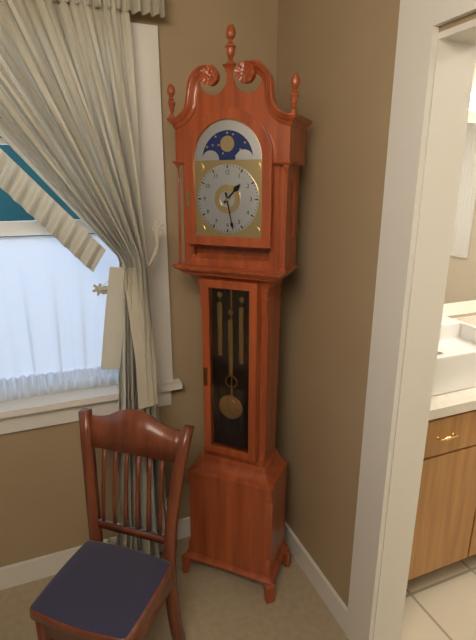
1:28
